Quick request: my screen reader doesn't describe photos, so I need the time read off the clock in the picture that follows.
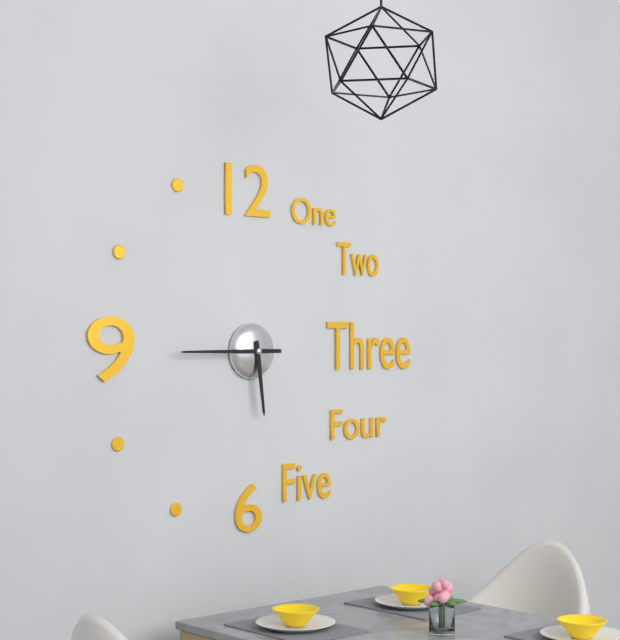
5:45
